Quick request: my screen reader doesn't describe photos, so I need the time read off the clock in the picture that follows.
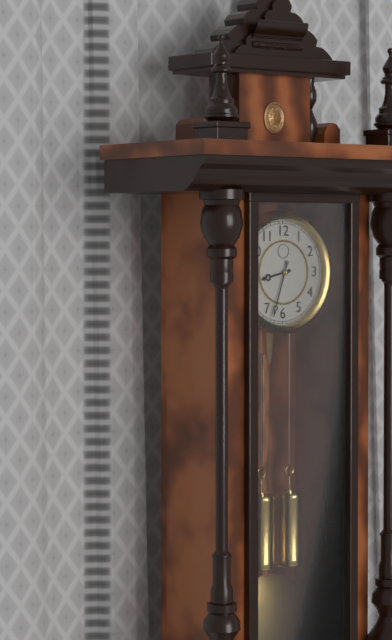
8:33
